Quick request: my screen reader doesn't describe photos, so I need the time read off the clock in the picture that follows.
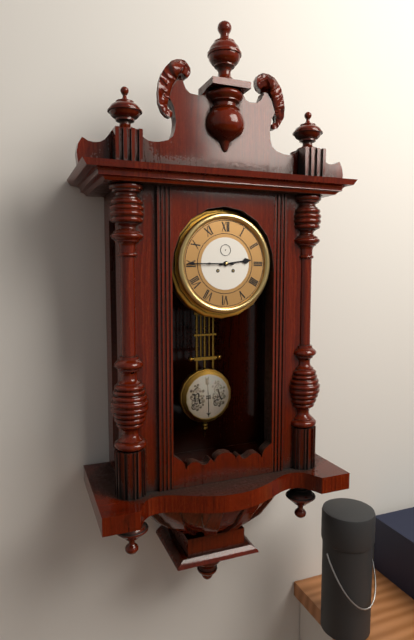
2:45
